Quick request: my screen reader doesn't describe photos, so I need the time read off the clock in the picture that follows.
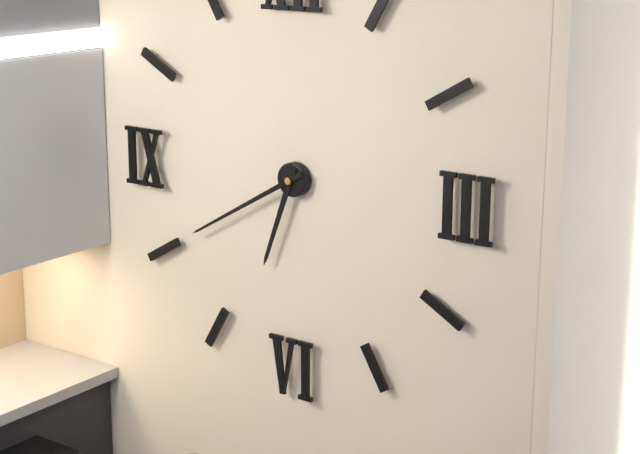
6:40
